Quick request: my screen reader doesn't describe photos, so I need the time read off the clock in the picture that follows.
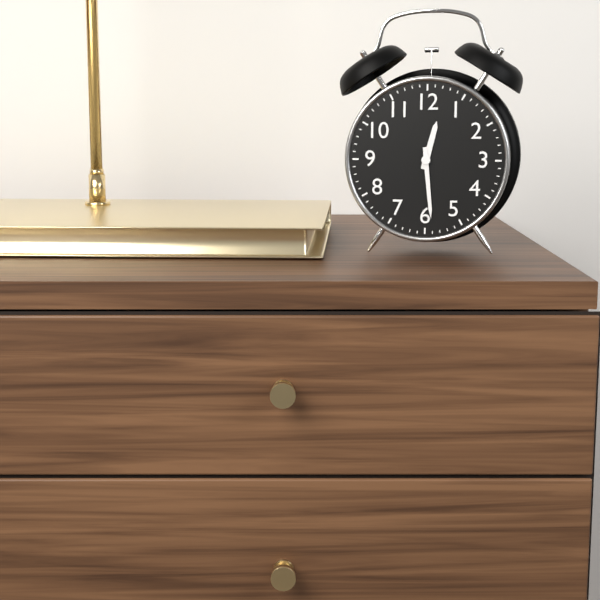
12:29
